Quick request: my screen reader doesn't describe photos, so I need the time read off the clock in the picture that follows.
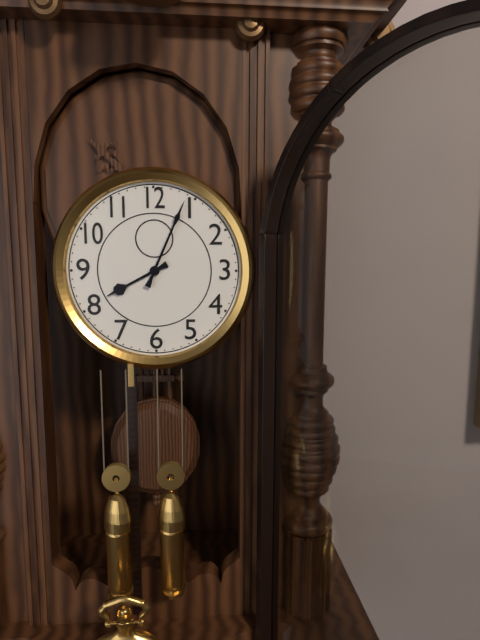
8:04
